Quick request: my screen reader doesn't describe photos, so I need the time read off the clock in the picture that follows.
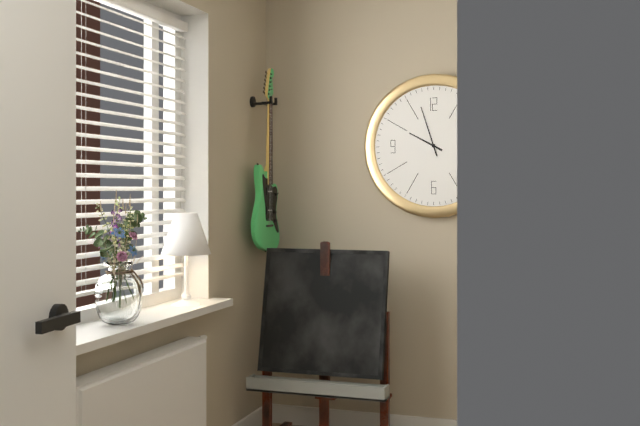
9:57
